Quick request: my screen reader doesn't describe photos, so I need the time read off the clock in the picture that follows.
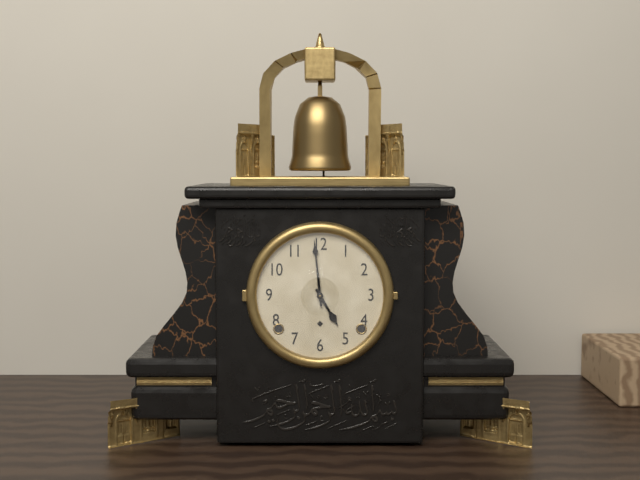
4:59
